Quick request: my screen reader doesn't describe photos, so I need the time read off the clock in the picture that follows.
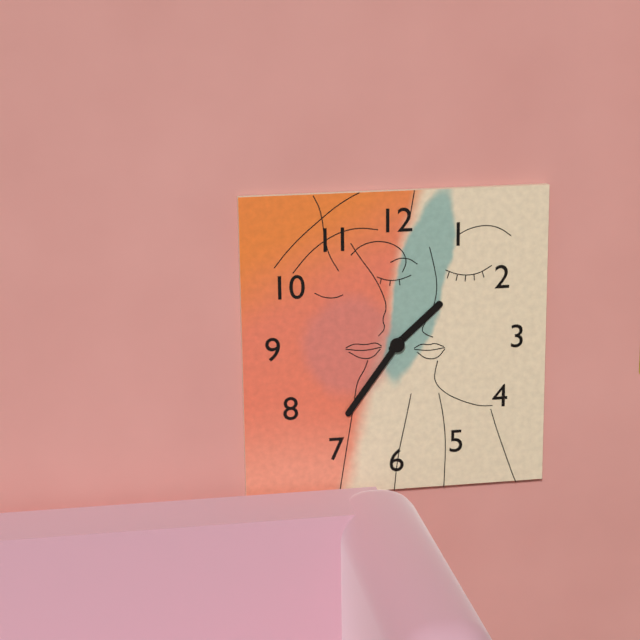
1:36
